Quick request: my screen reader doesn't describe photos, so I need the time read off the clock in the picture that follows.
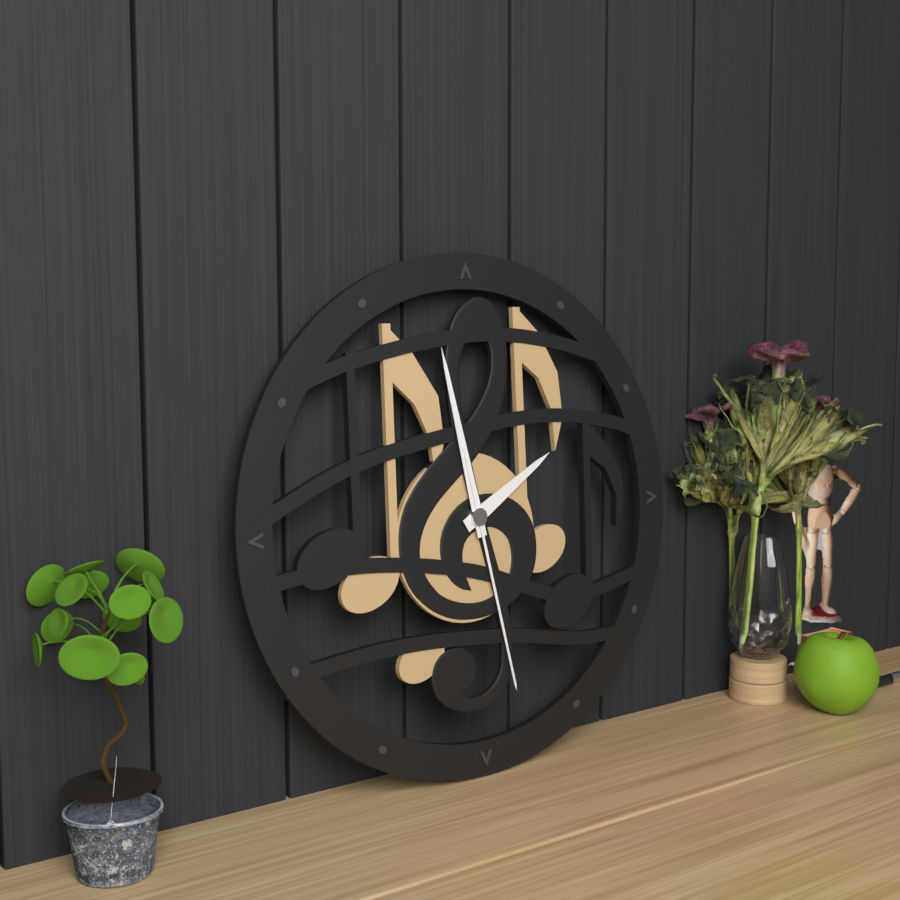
1:58:28
